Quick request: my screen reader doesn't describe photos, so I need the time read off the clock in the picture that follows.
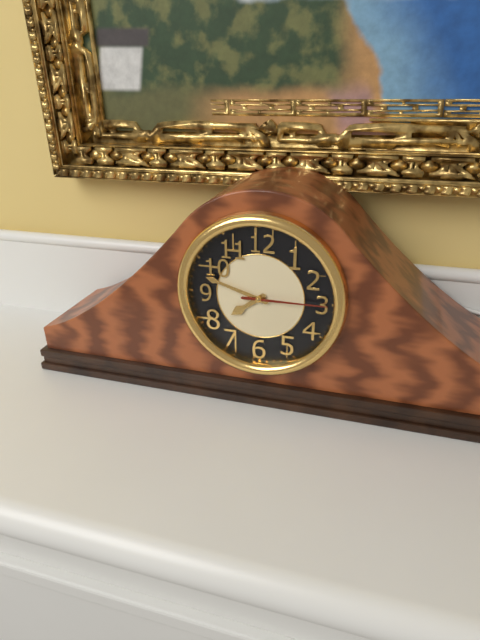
7:48:15
